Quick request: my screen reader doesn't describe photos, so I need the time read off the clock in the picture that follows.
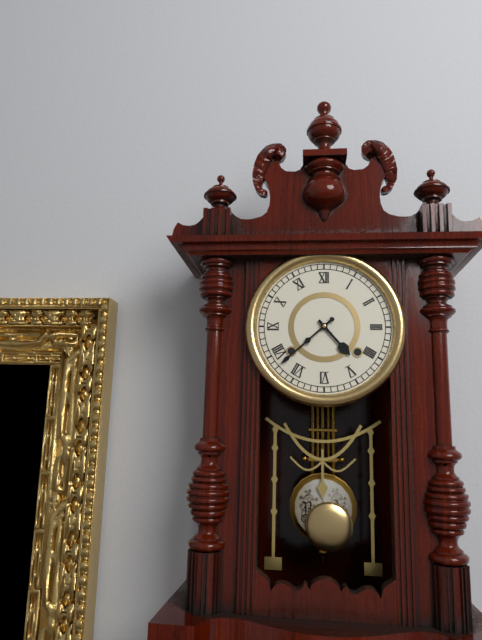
4:38
